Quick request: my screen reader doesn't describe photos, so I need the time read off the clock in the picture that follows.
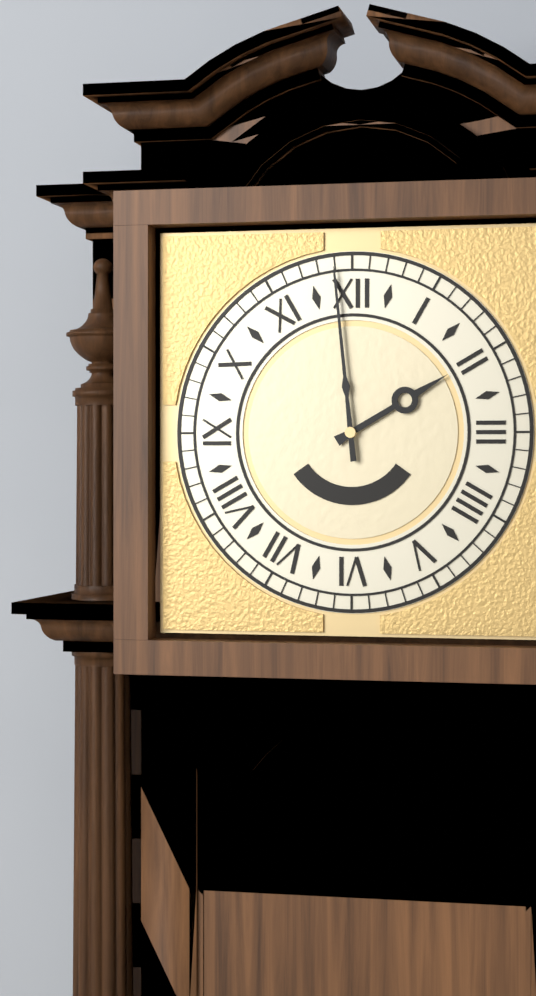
1:59
